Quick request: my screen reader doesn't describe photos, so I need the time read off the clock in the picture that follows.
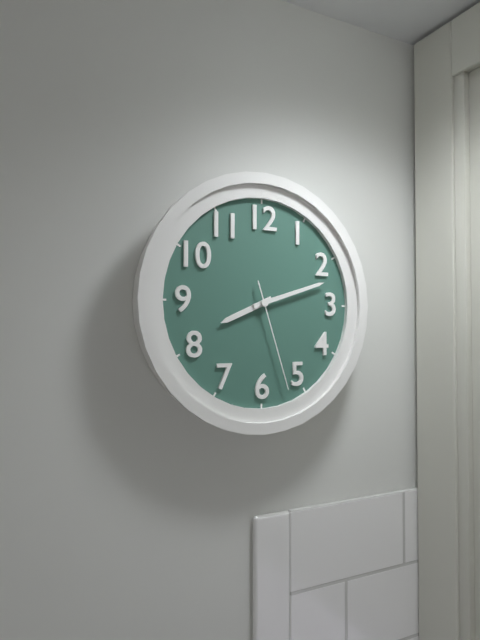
8:12:27
